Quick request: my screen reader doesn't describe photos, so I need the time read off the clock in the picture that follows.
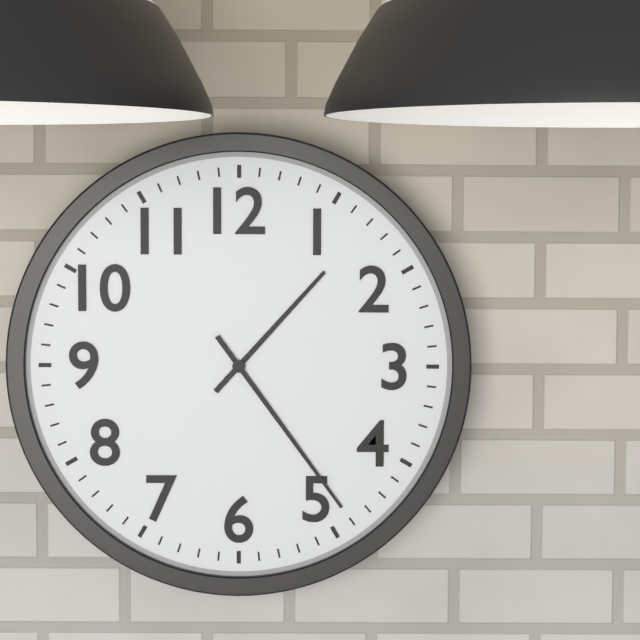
1:24
